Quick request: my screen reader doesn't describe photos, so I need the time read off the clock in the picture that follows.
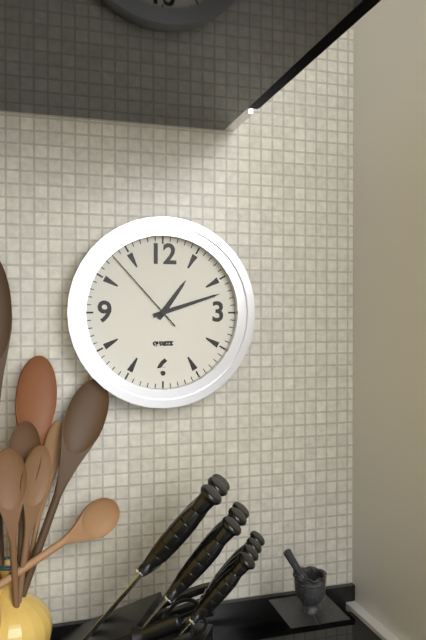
1:12:53
